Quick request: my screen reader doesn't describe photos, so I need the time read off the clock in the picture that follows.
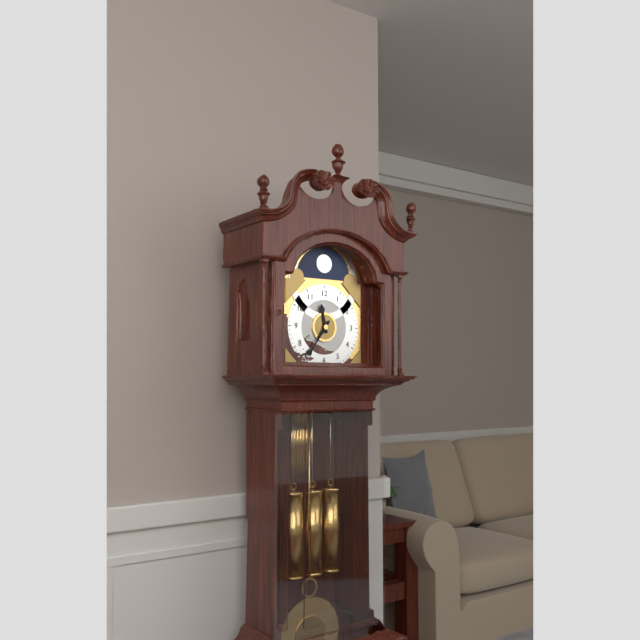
11:36
